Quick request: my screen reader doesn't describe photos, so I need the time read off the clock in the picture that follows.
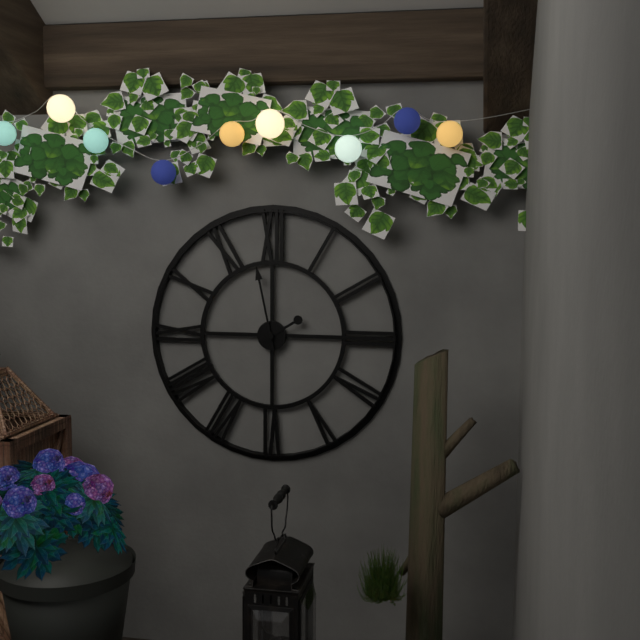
1:58
